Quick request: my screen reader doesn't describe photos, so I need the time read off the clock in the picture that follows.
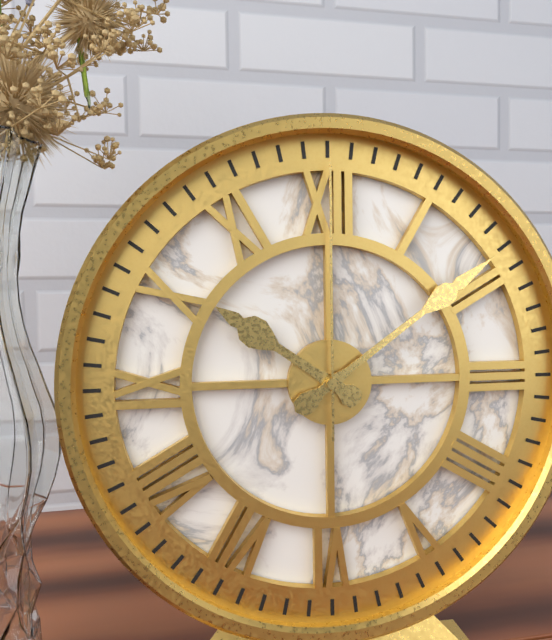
10:09:00
